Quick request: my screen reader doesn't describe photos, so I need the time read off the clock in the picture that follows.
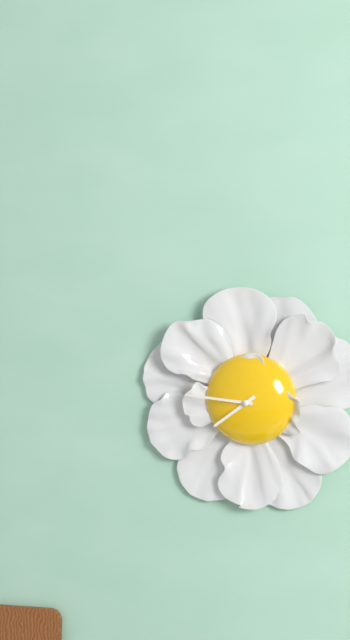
7:46
